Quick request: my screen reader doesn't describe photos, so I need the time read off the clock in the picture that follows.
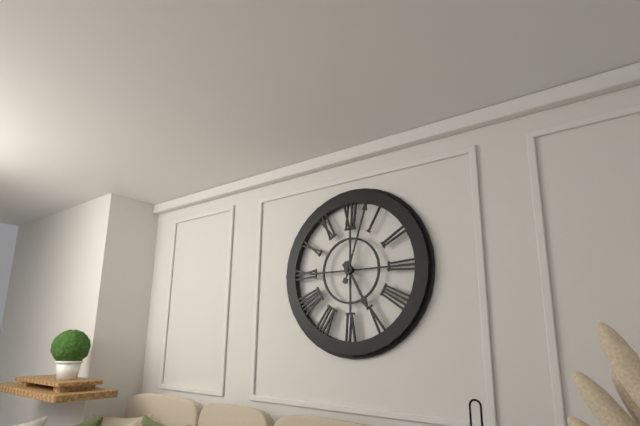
5:03
